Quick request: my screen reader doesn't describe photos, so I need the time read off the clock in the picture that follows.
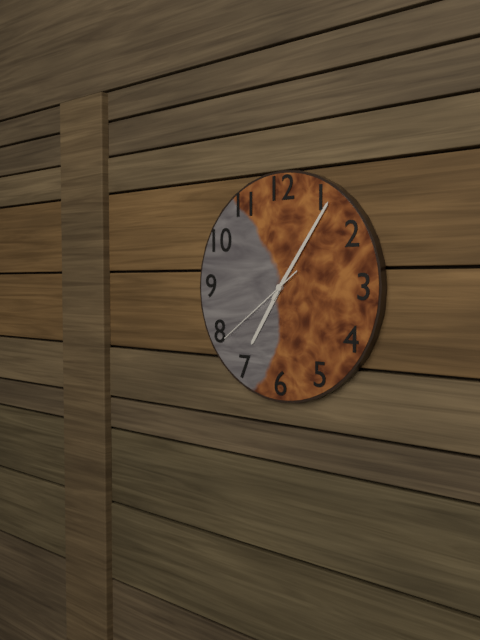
7:06:39
